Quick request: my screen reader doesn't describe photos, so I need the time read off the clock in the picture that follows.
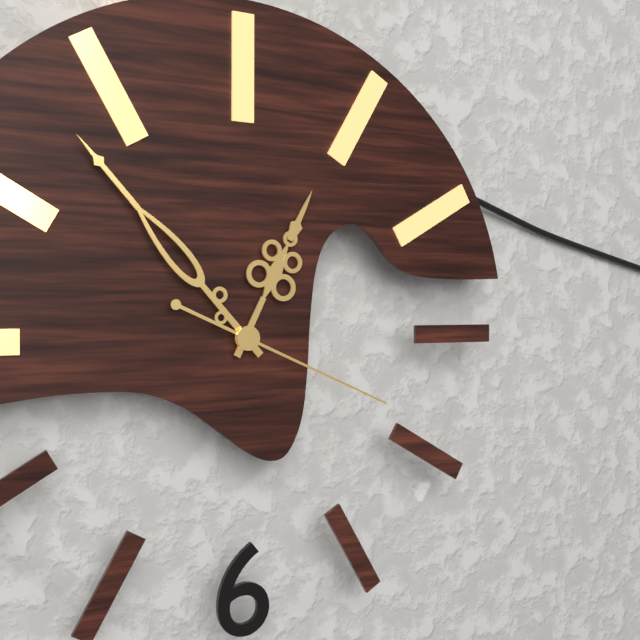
12:53:19
